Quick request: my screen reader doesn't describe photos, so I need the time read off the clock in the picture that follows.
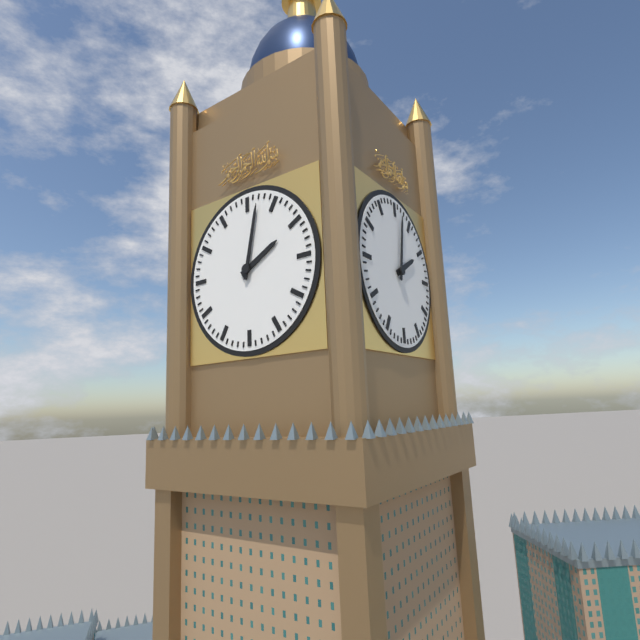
2:02
